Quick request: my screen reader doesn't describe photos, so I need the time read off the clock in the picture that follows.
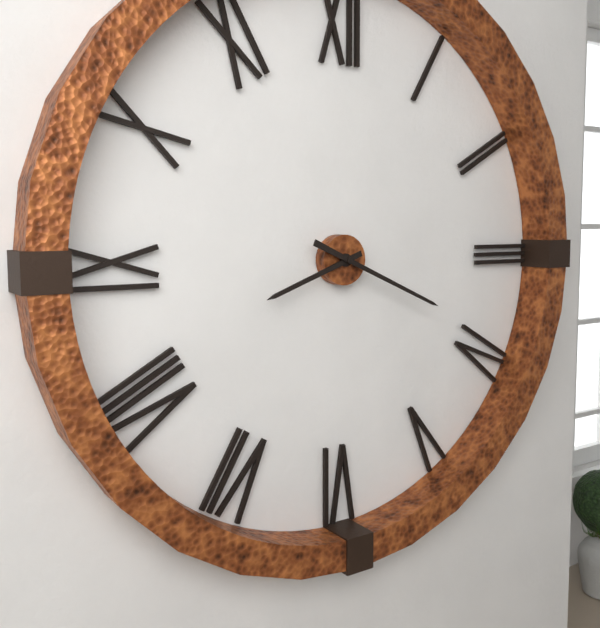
8:19
